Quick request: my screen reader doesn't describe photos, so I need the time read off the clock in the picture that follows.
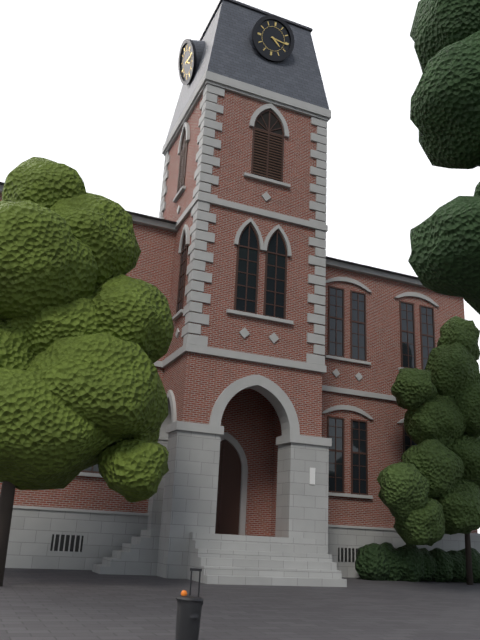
4:16
